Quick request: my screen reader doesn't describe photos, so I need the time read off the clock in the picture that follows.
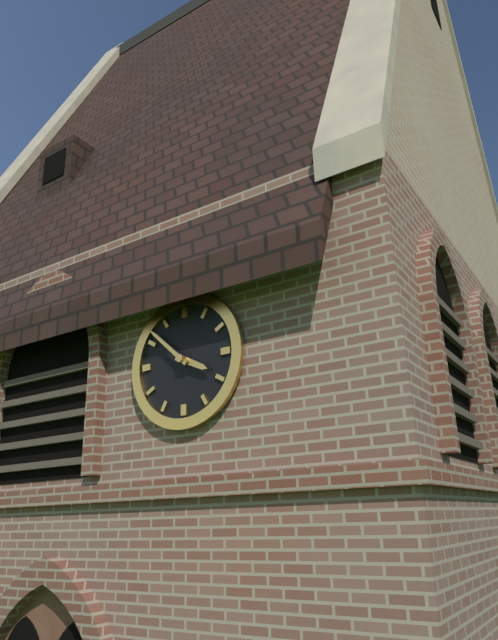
3:52
